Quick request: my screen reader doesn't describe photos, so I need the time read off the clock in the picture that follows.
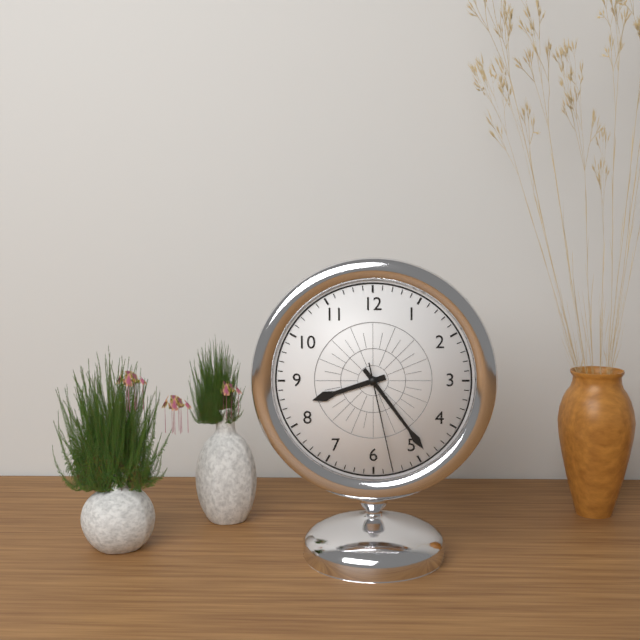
8:24:28
